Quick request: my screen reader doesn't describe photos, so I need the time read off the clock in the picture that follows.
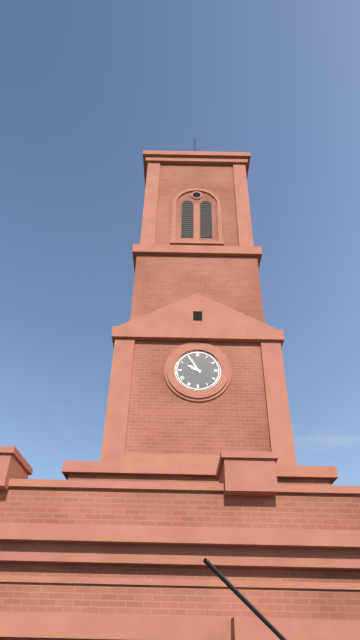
9:55
